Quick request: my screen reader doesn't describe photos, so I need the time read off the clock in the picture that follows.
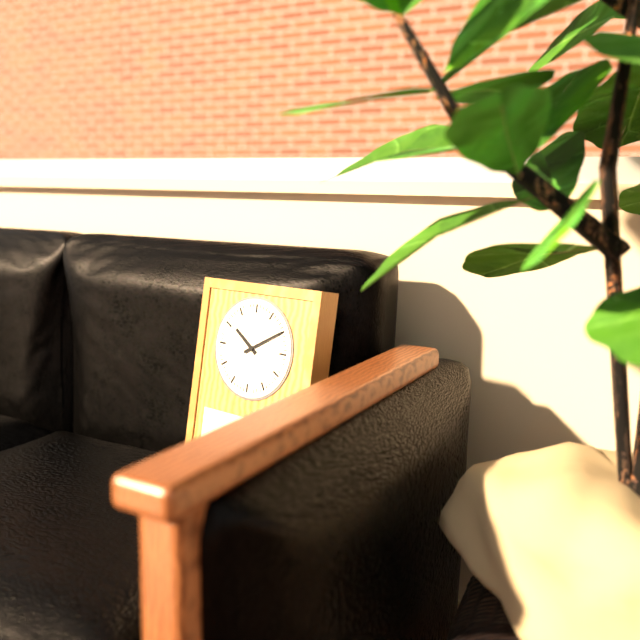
10:10
